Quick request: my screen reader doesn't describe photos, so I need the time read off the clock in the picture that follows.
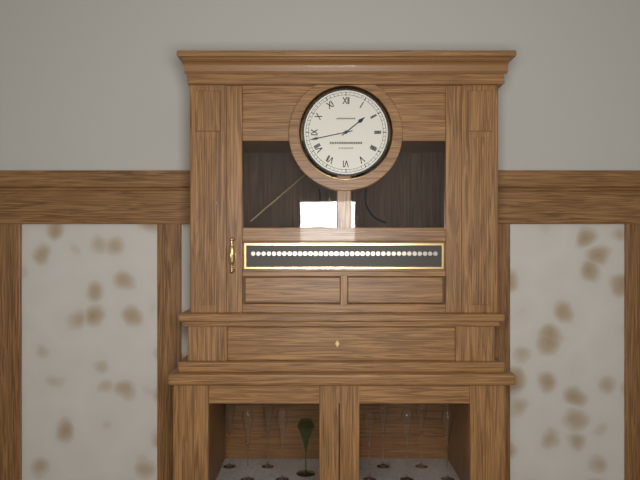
1:43
